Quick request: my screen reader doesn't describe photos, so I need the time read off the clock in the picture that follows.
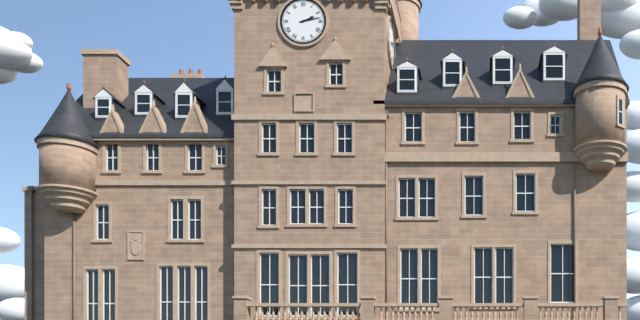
2:13
